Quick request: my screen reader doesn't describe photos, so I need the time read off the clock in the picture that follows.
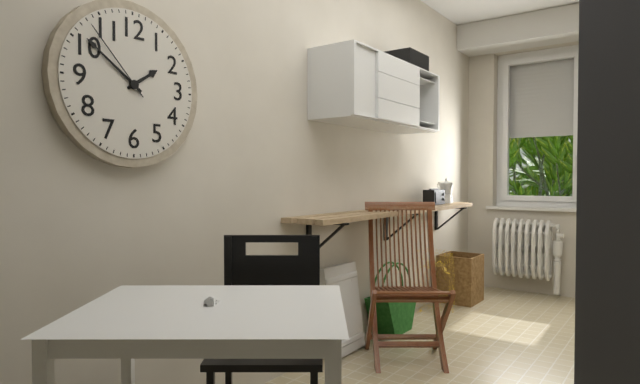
1:51:53
